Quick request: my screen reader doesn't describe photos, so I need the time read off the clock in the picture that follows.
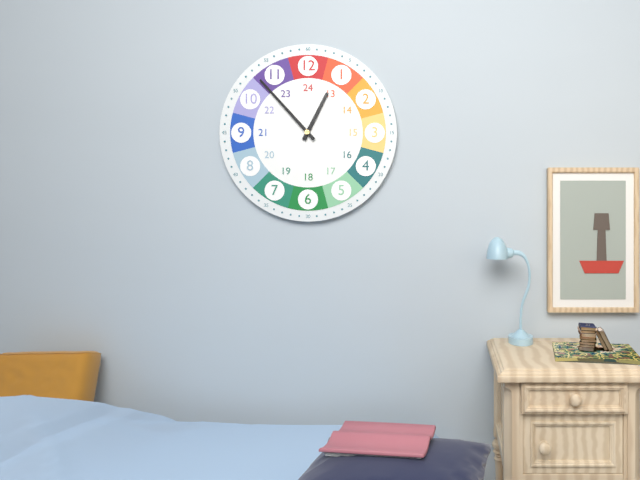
12:53
